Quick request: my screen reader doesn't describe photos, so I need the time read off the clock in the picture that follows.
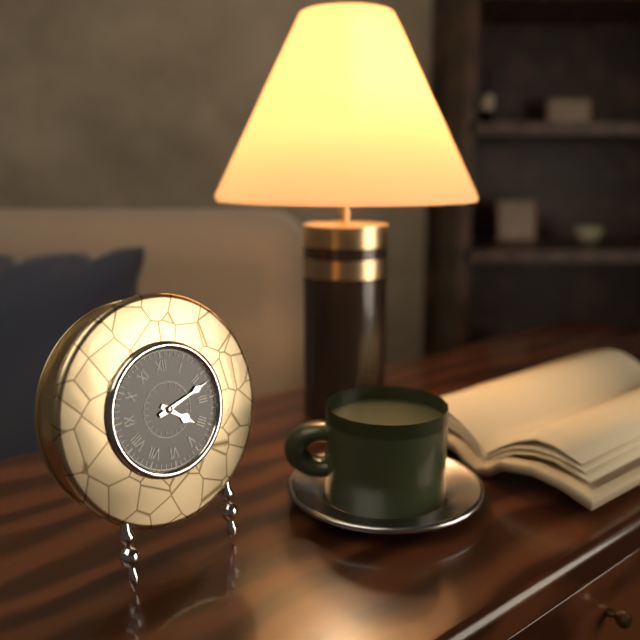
4:12
